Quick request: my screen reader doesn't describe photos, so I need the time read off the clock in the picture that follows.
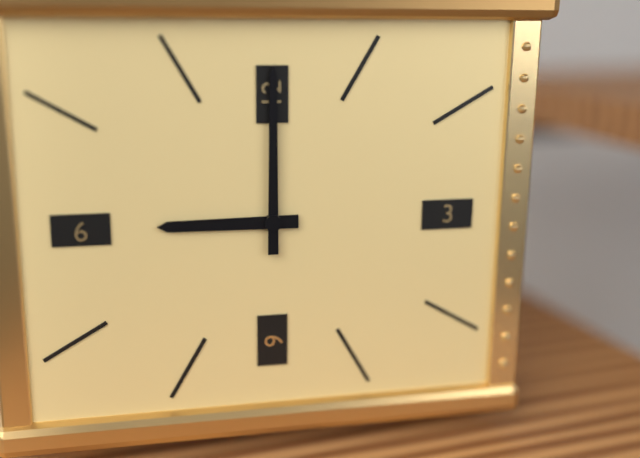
9:00
